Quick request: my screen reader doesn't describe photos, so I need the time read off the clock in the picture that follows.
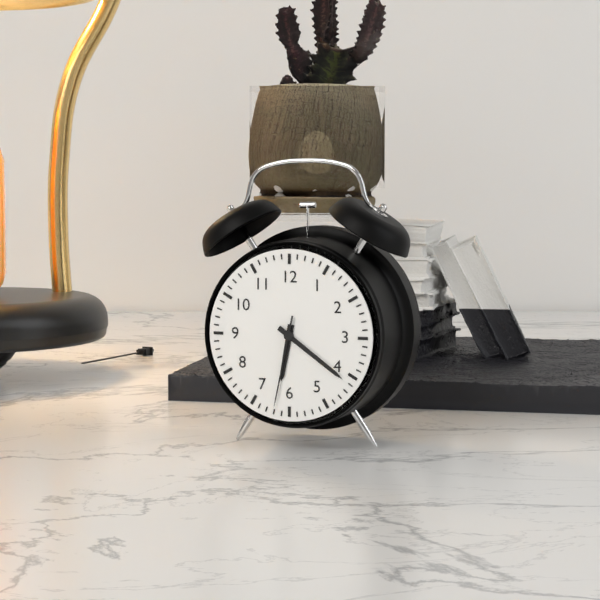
6:21:32
